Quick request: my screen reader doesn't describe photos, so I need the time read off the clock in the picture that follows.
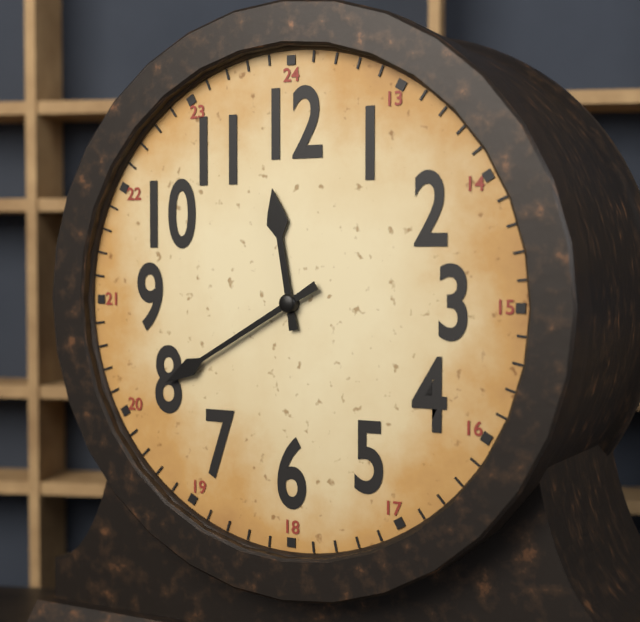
11:40
